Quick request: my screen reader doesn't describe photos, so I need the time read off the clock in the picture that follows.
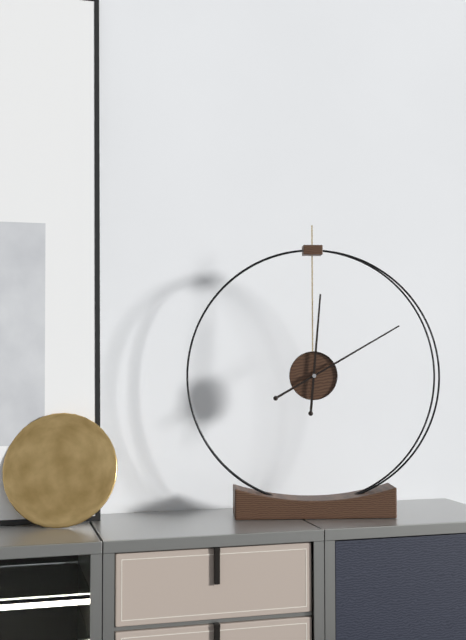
12:10
